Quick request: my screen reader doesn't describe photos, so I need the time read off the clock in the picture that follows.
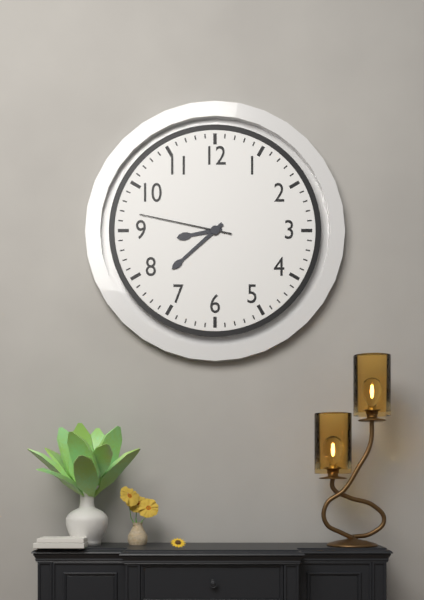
8:38:47
